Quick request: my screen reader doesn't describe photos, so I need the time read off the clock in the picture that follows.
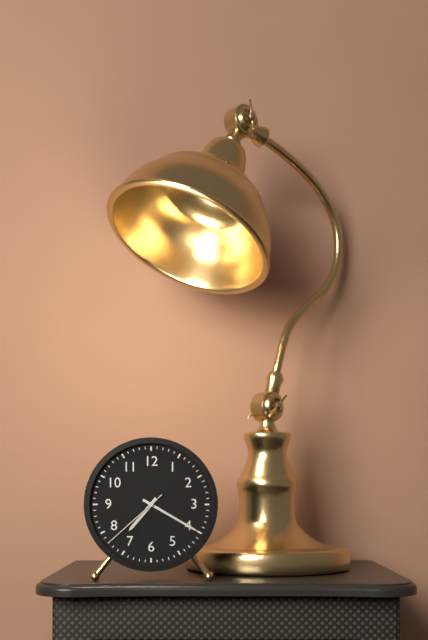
7:20:38
